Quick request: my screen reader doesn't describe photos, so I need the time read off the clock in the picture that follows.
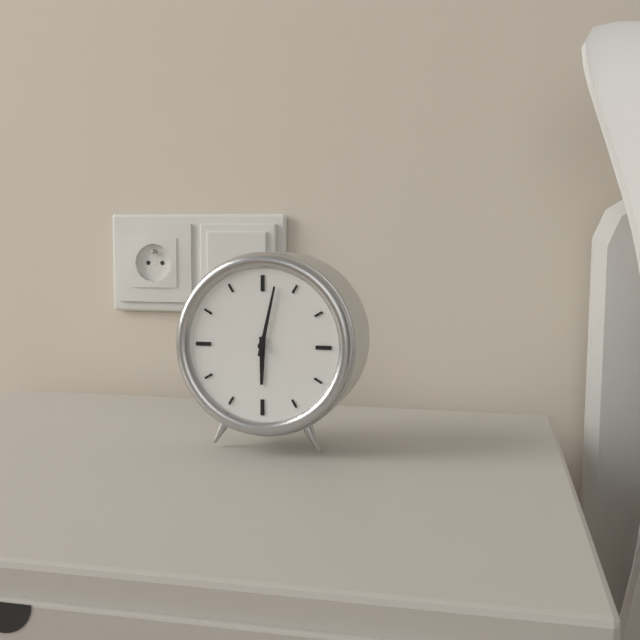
6:02
